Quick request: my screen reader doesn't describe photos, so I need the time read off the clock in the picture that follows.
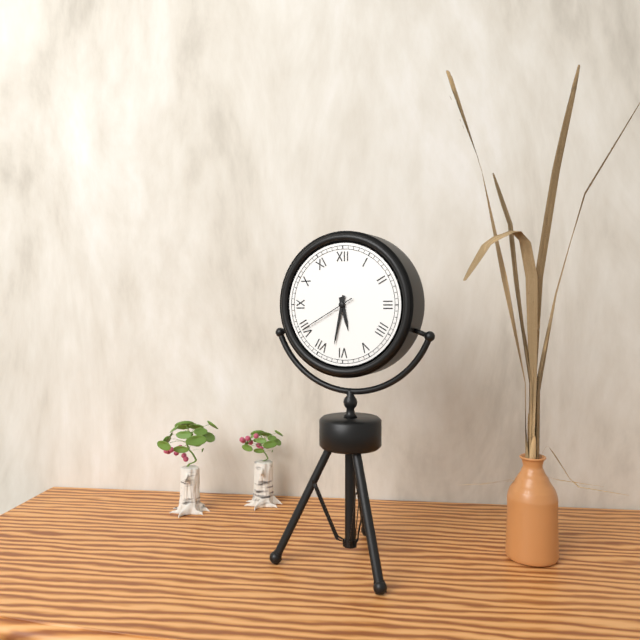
5:32:40
